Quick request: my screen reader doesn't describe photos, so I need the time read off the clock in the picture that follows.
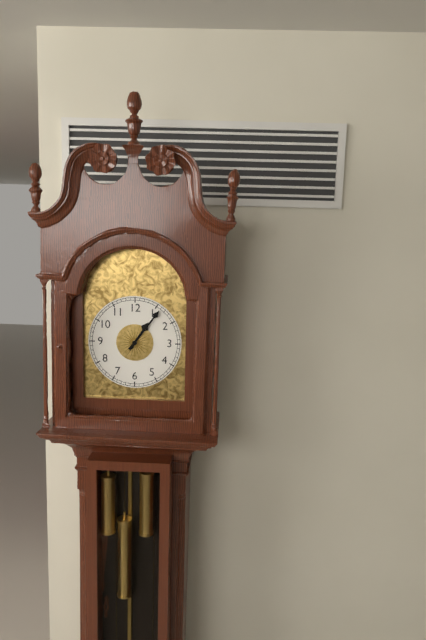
1:06
